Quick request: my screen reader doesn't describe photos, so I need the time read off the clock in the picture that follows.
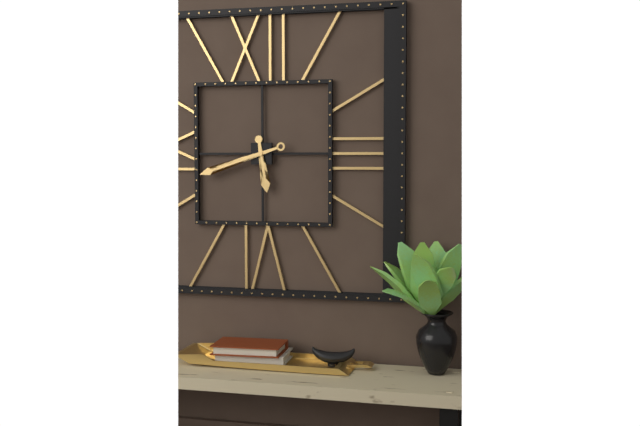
5:42
